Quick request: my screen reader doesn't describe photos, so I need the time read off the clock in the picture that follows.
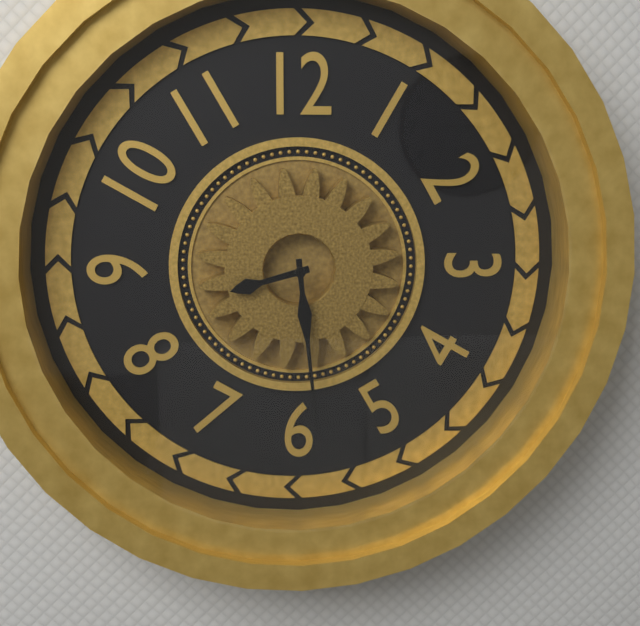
8:29
